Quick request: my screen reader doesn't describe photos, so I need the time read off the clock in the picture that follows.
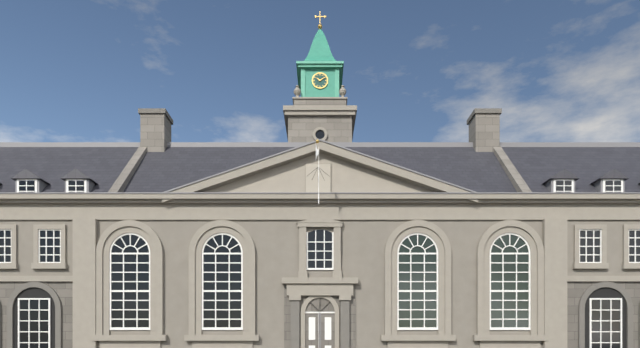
10:10
